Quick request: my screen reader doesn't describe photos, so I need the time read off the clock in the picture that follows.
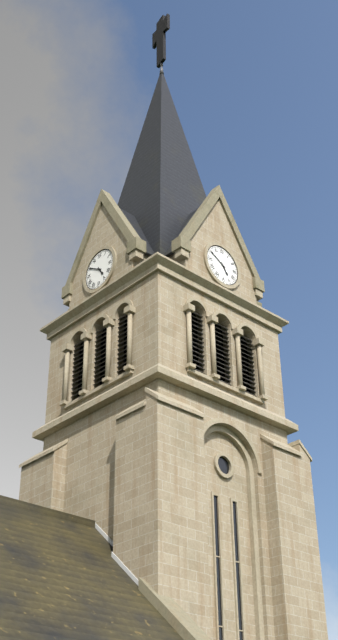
4:50
